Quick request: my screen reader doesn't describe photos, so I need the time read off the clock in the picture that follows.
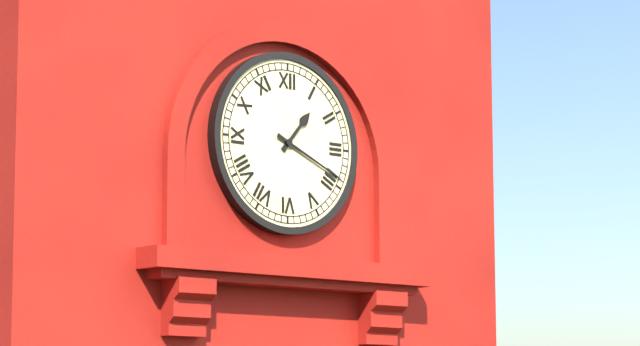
1:19
